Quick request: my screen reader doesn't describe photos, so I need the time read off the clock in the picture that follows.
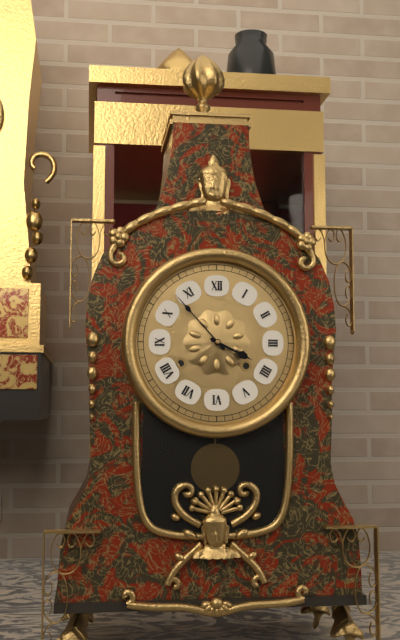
3:53
